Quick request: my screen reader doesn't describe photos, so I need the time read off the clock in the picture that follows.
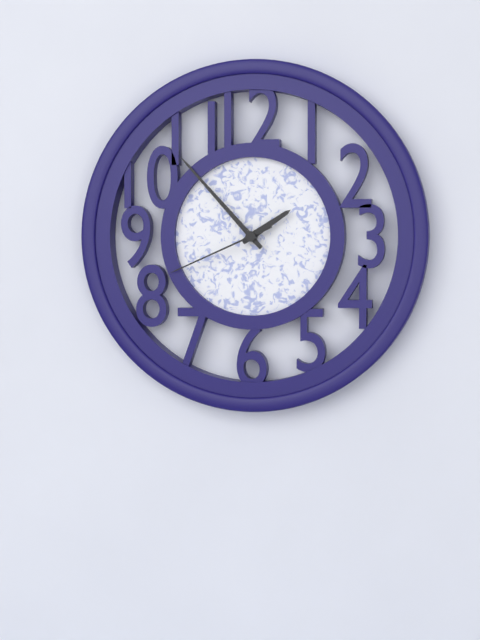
1:53:41
